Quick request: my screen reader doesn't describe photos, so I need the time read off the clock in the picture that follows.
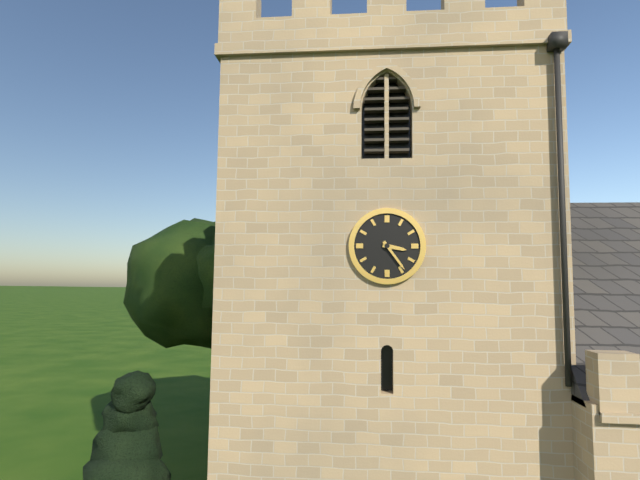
3:24
